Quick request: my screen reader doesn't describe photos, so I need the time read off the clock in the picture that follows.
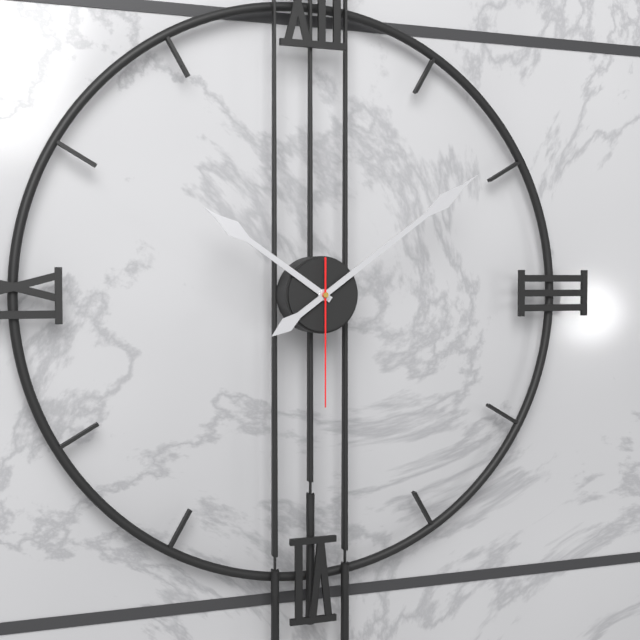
10:09:30
